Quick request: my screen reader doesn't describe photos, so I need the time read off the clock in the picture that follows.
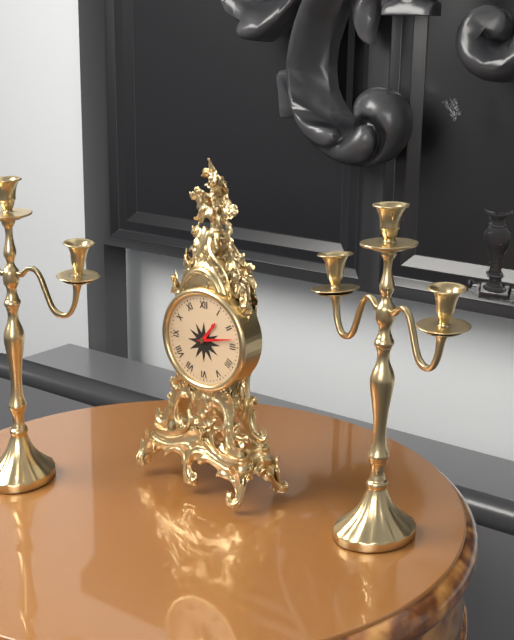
1:13
